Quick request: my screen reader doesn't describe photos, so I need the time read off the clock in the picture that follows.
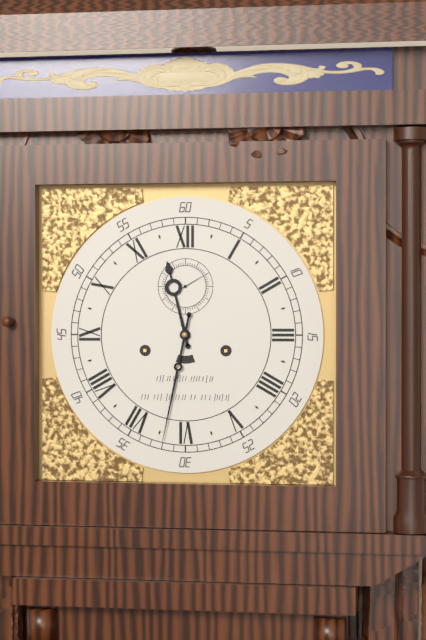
11:32
